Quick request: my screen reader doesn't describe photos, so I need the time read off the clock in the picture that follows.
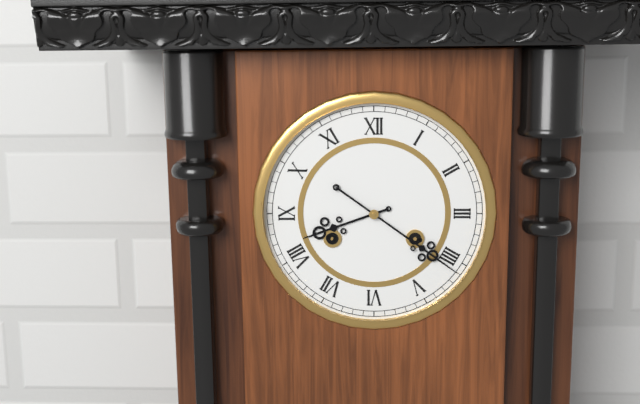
8:21
